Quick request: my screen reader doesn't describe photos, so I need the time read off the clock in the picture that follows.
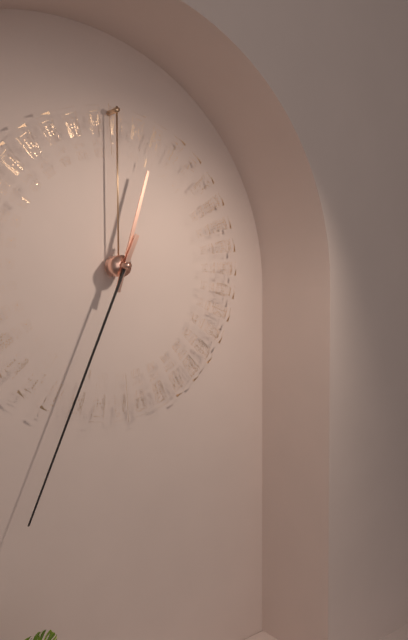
12:34
